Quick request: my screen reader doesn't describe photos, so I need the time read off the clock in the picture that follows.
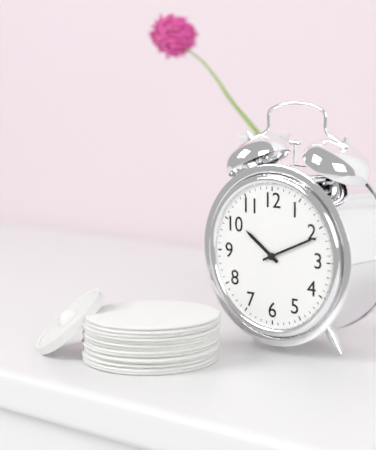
10:11
